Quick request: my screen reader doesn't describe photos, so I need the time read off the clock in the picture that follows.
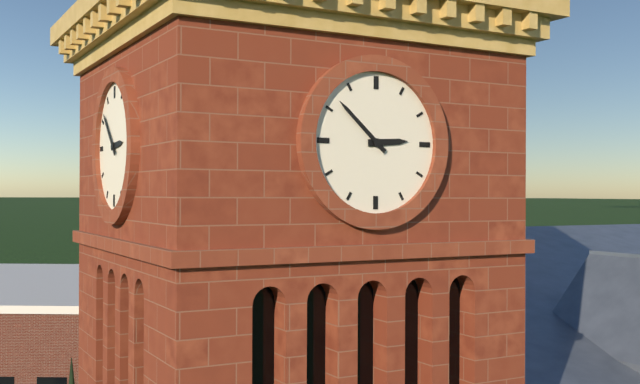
2:52
